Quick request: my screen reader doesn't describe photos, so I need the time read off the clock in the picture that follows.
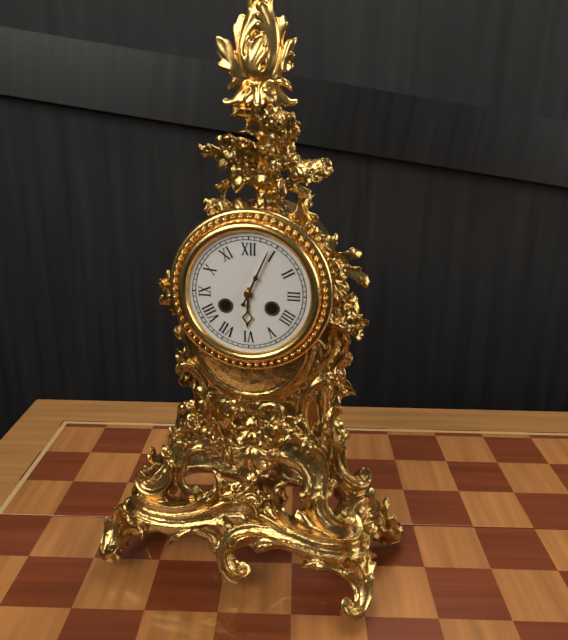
6:04
